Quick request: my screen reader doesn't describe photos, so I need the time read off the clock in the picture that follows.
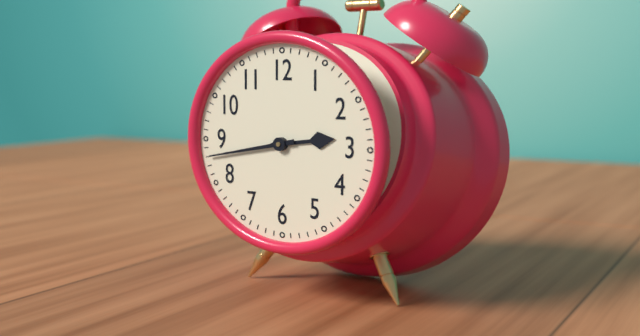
2:43
